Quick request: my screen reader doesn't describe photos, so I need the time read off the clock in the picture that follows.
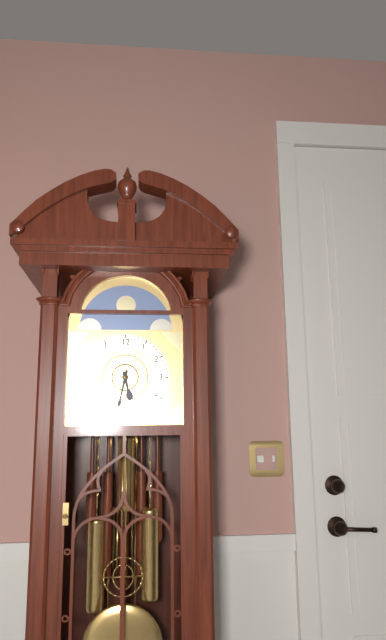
5:32
